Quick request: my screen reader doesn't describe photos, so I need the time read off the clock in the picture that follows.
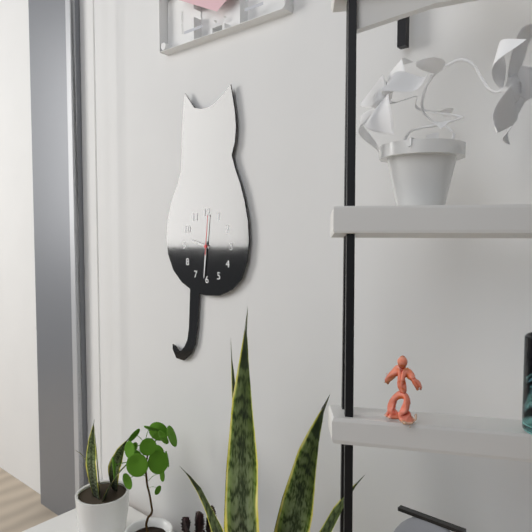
9:31
